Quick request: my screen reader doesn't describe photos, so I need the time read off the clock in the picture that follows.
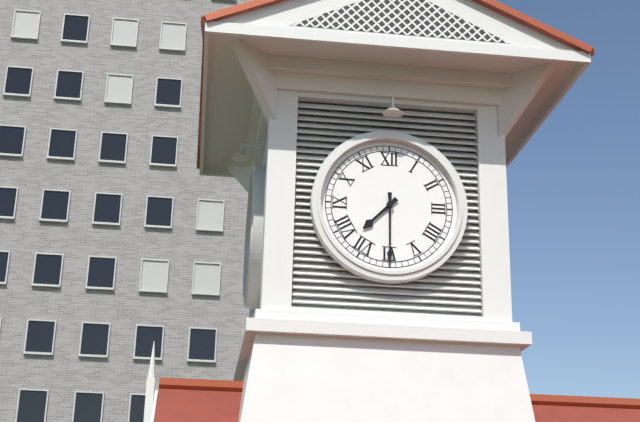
7:30
